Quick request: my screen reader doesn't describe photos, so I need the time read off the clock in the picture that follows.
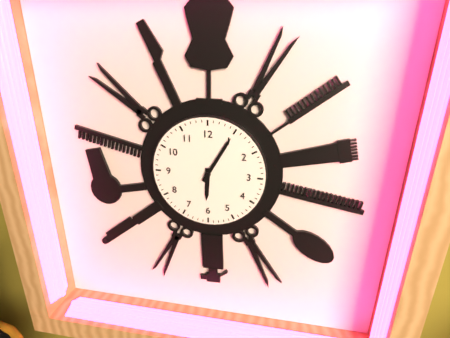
6:05
